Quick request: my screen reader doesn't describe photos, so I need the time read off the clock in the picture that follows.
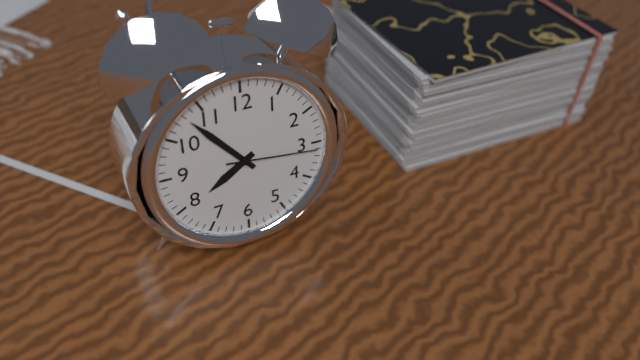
7:53:16
